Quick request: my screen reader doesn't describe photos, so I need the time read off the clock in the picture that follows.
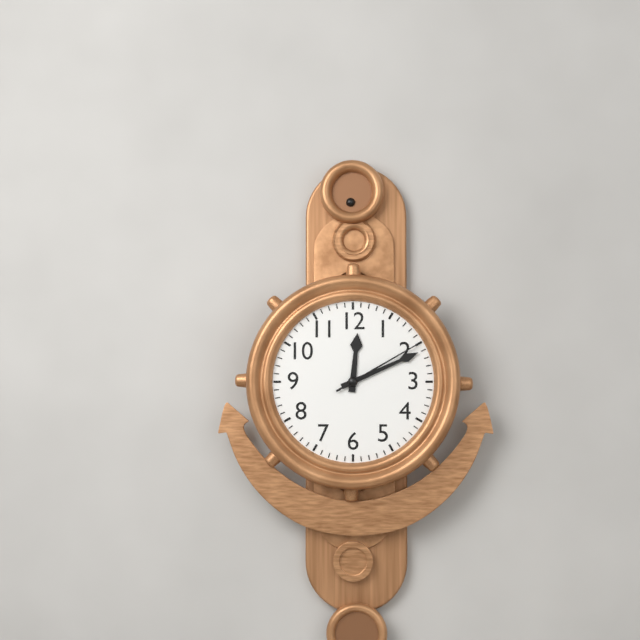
12:11:10
